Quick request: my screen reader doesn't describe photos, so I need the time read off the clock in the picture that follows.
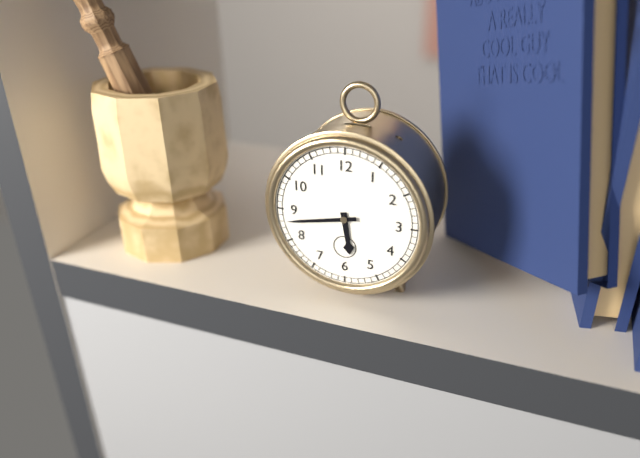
5:43
